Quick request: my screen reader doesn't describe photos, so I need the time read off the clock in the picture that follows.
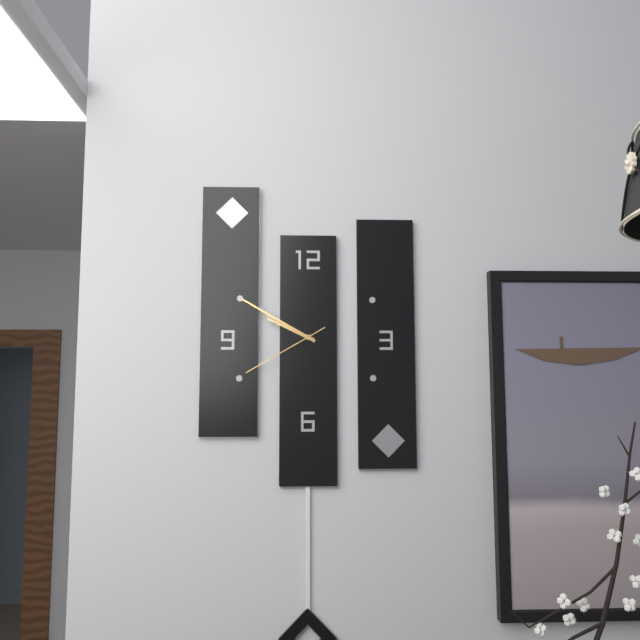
9:50:40
